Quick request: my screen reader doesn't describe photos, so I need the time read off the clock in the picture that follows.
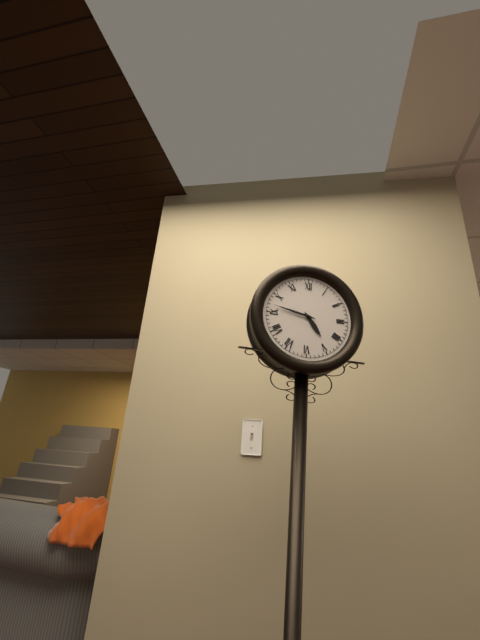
4:47
